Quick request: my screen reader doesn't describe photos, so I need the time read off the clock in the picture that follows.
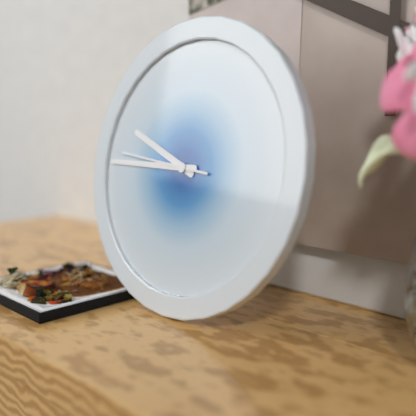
9:45:46
